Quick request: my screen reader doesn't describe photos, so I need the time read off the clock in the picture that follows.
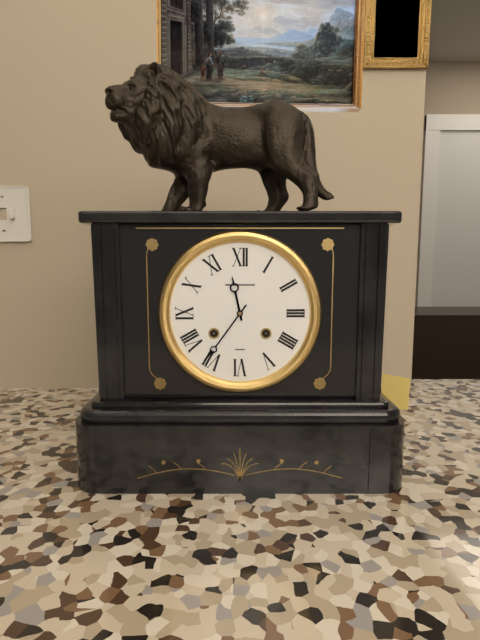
11:36
